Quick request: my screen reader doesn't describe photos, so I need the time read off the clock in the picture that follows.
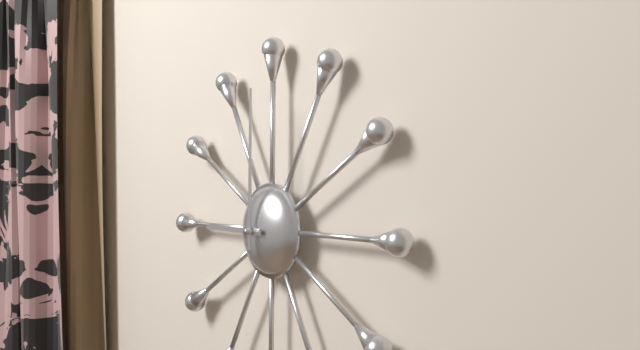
9:00
